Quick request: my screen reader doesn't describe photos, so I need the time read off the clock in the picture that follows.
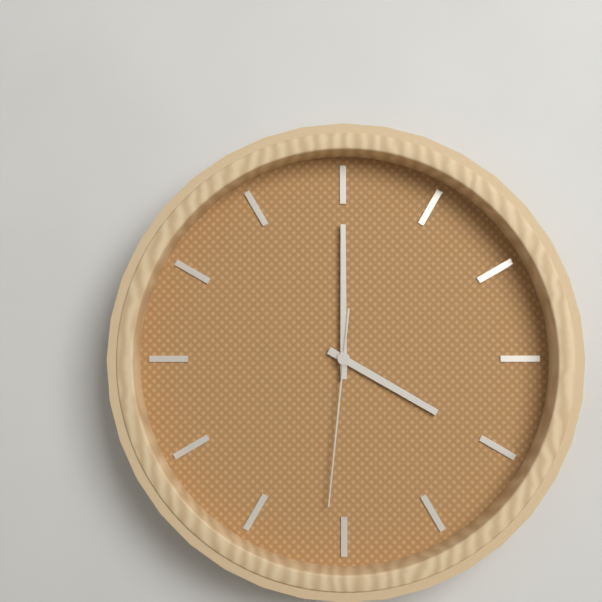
4:00:31
